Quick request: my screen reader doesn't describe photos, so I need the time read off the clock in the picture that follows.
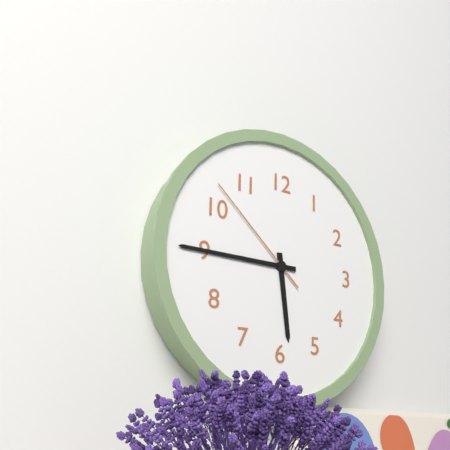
5:45:52
